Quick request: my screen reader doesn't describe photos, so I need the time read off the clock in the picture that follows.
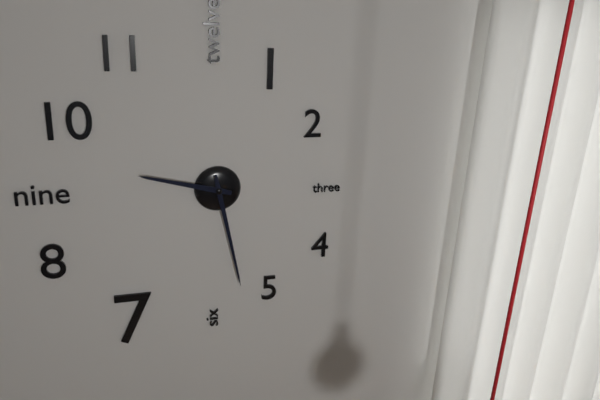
9:28
